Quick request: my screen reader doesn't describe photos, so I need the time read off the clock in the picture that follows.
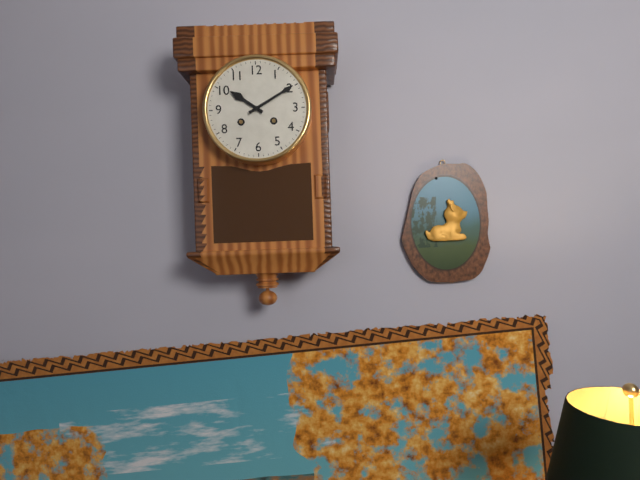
10:10
